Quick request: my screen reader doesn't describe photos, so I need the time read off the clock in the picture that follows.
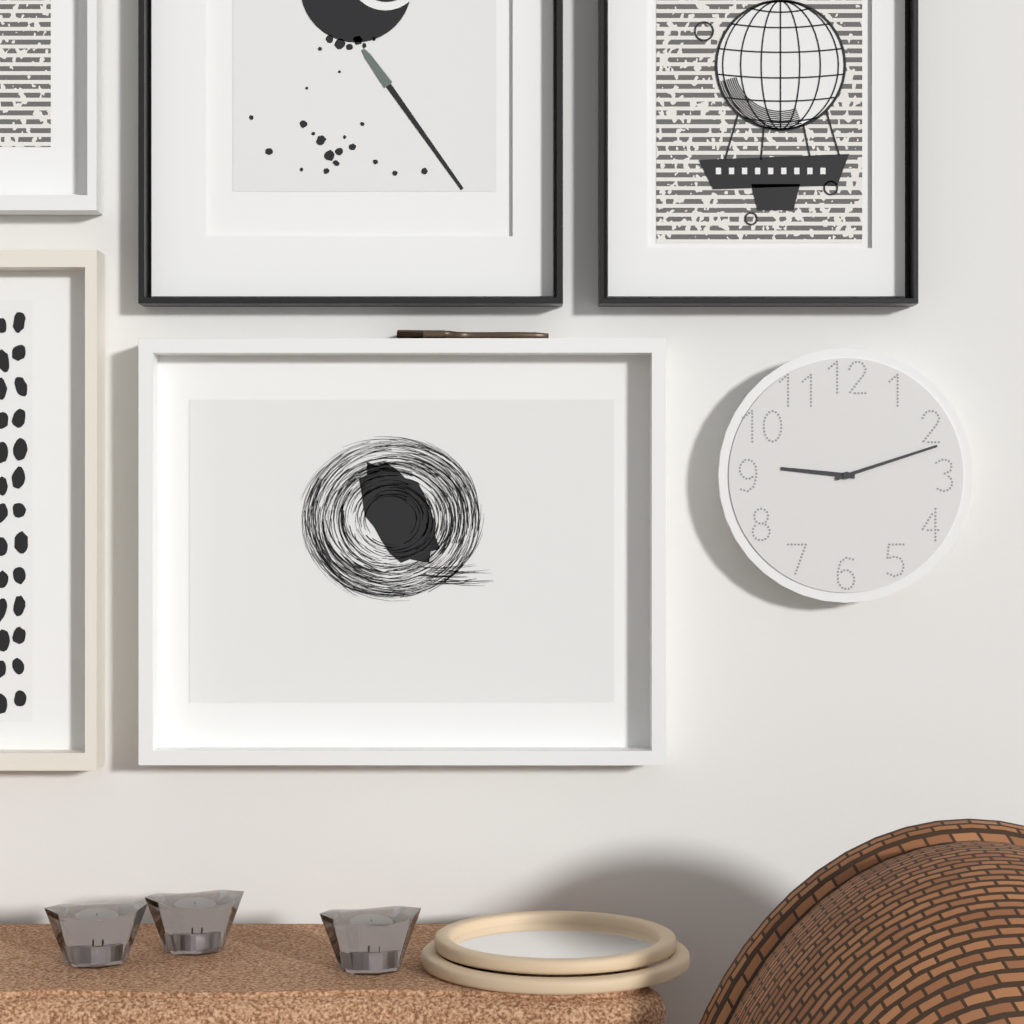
9:12
